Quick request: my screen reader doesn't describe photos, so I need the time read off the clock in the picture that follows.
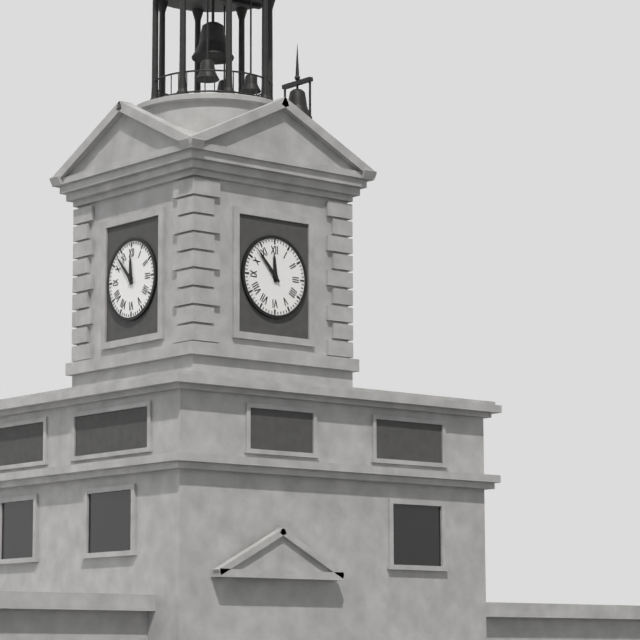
11:53
